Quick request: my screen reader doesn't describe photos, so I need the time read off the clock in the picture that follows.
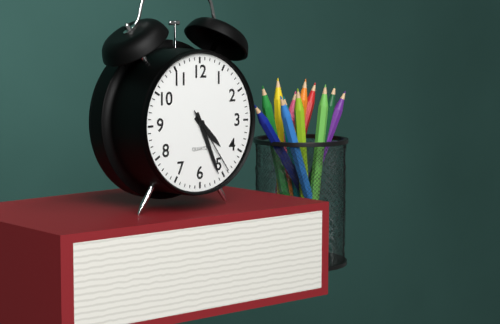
4:26:24
